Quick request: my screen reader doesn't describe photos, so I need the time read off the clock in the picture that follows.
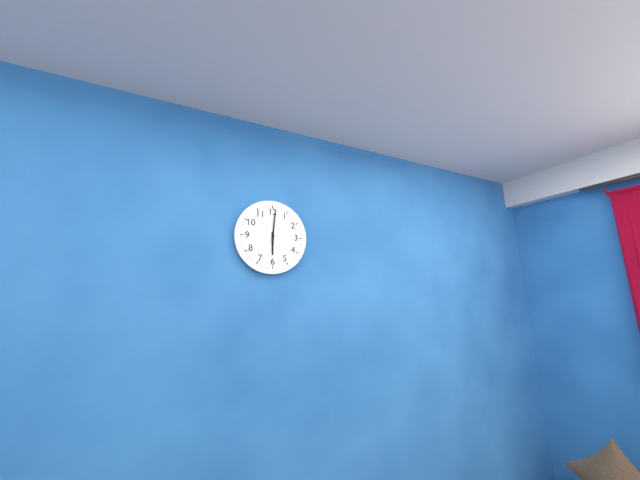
6:01
